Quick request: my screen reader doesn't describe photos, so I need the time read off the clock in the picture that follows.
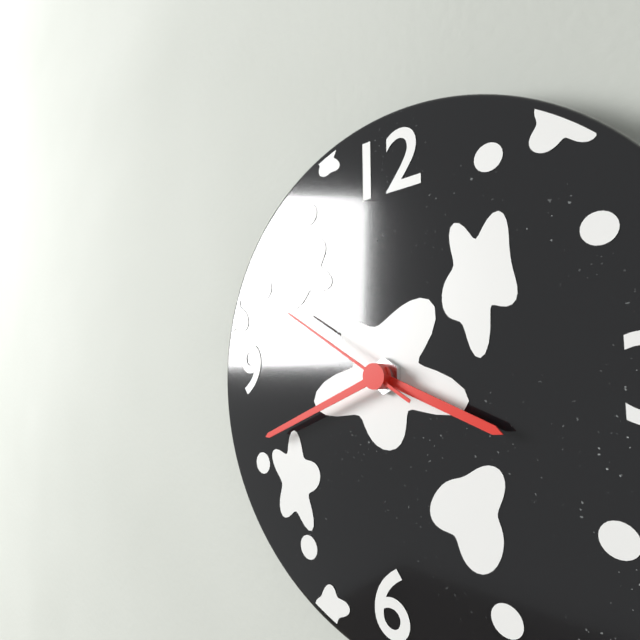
3:41:50
